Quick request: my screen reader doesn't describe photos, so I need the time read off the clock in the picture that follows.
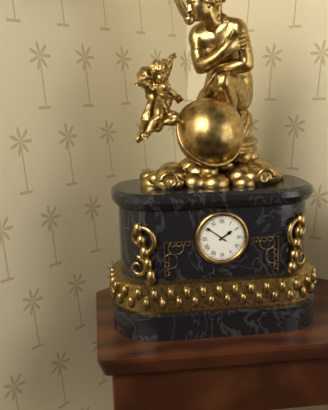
1:51
